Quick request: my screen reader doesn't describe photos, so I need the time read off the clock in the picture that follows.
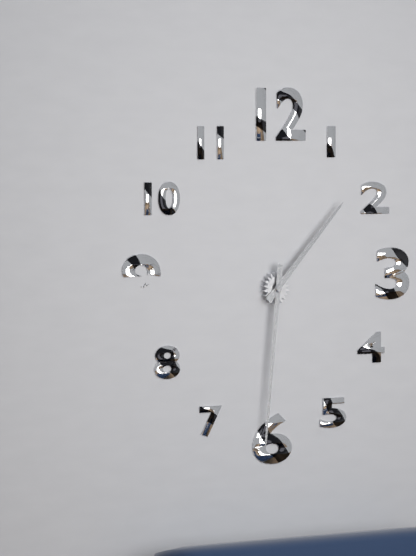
1:31
